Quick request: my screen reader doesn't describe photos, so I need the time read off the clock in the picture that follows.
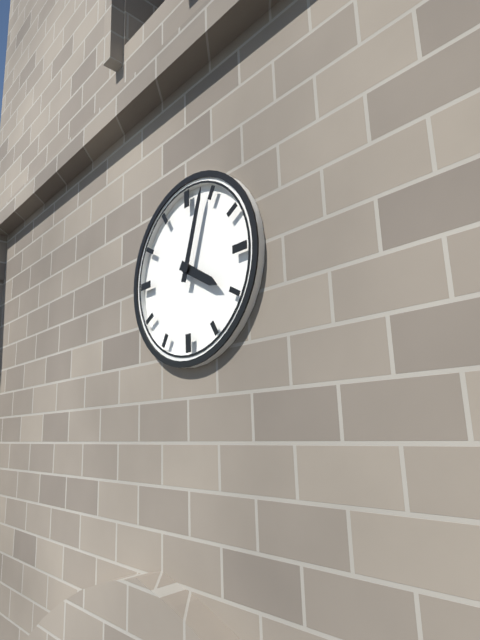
4:03
